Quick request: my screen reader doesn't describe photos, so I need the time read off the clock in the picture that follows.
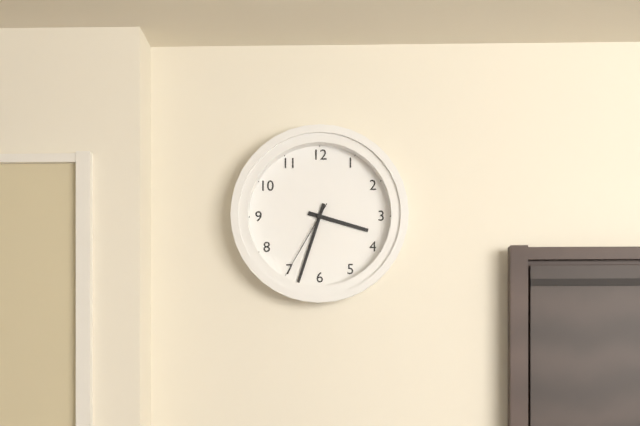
3:33:35
